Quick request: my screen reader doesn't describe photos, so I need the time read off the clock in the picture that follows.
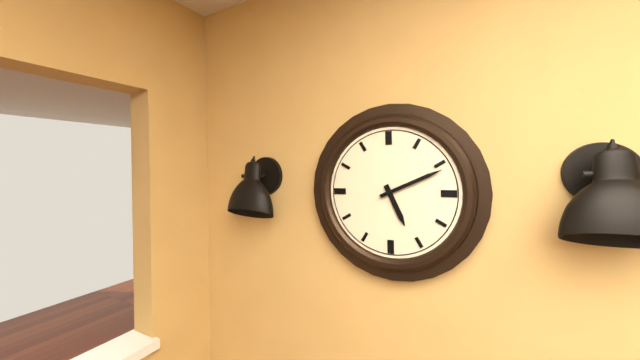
5:11
